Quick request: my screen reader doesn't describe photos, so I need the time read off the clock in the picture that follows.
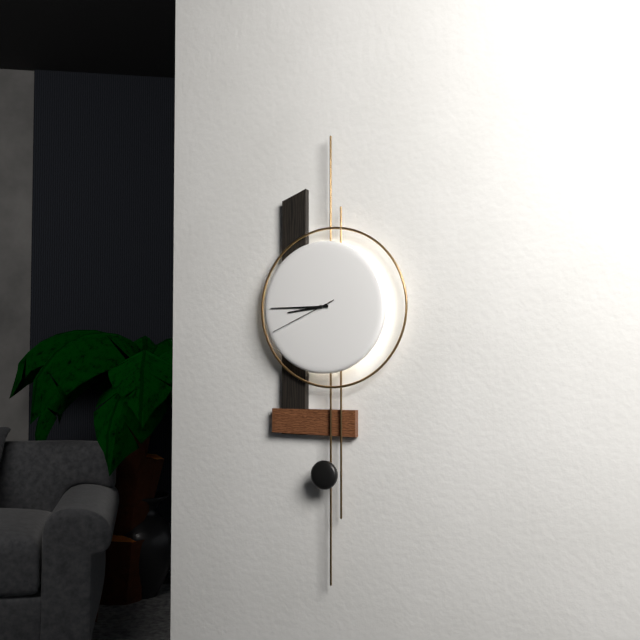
8:45:41
